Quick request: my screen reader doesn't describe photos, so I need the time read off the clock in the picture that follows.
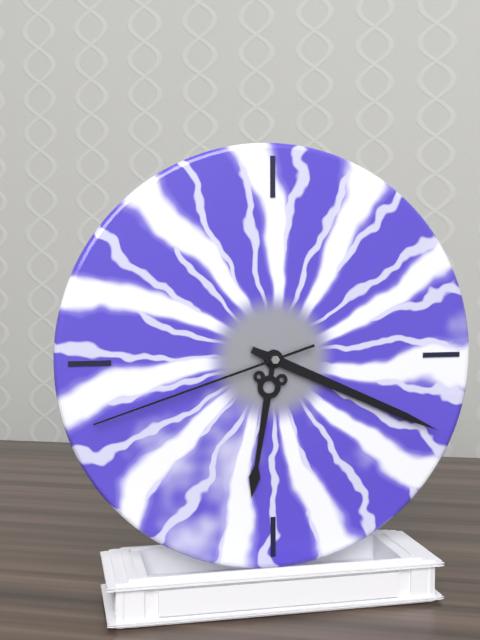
6:19:42
